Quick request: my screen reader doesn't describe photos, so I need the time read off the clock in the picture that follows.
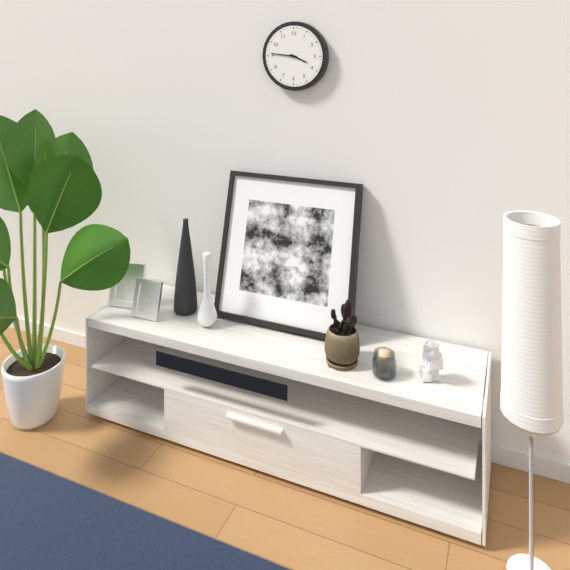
3:46
